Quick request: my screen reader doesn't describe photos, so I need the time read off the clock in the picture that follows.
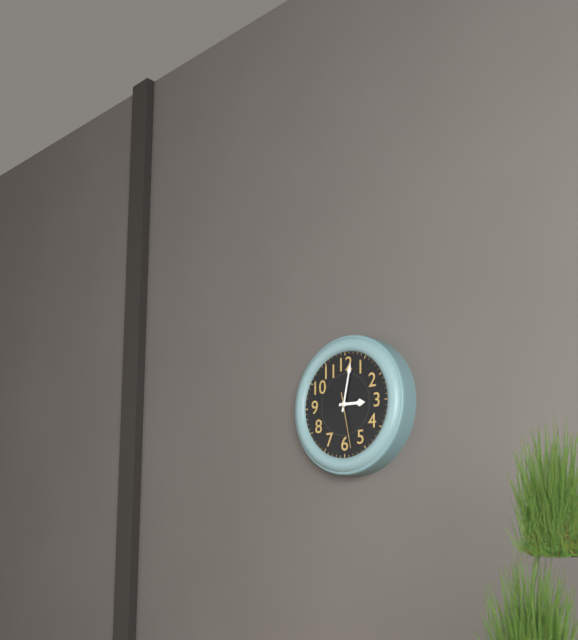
3:02:28
